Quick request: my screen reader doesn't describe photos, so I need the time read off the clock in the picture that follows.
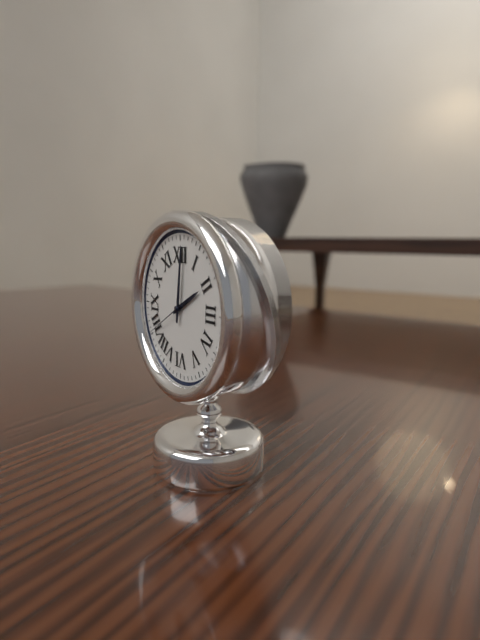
2:01
